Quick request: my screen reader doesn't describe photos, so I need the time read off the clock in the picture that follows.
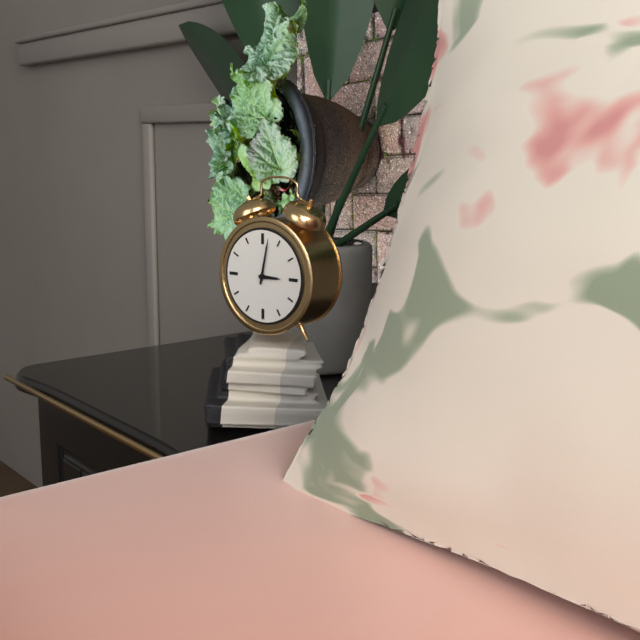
3:02
